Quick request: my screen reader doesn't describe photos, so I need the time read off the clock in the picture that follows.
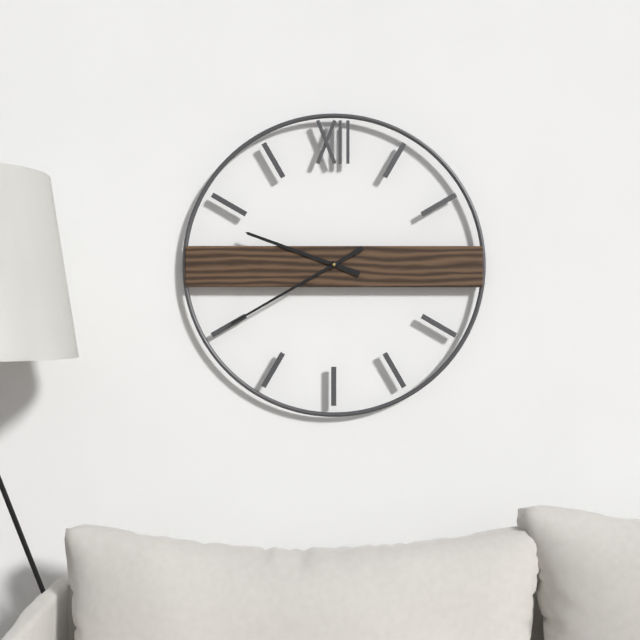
9:40
